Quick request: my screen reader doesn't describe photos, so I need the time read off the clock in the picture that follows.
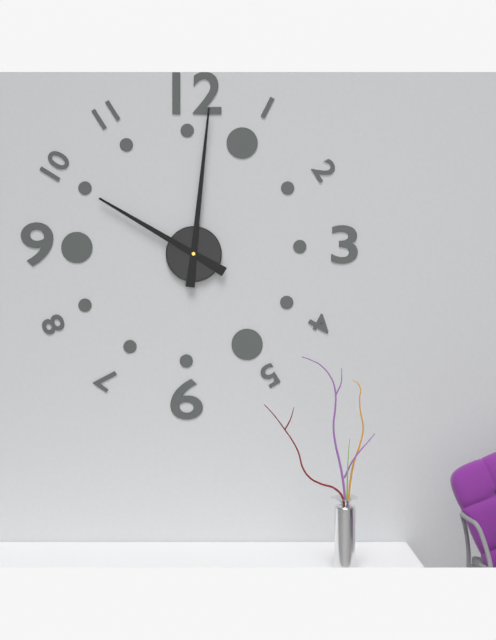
10:01
